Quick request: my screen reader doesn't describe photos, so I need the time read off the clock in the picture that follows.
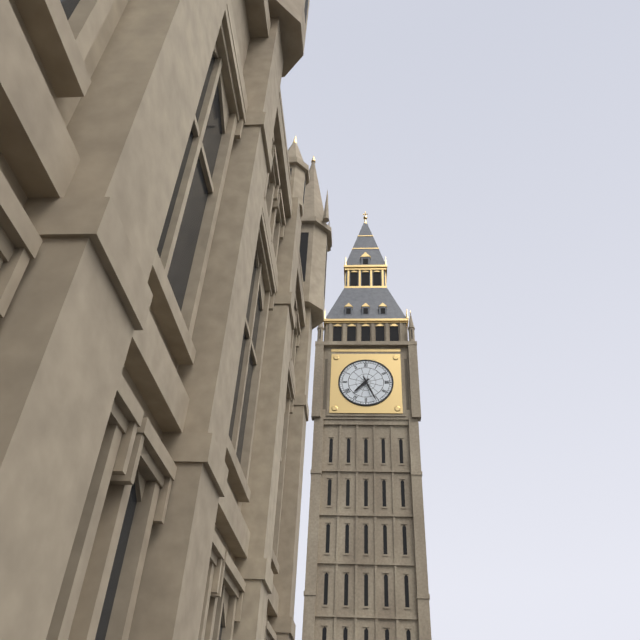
7:26
